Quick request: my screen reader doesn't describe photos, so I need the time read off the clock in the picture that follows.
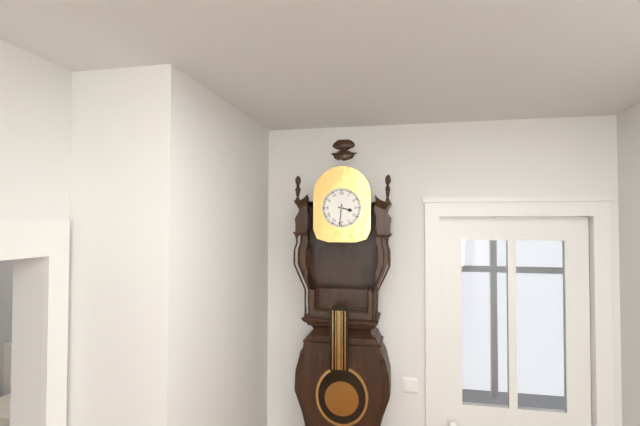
3:31
